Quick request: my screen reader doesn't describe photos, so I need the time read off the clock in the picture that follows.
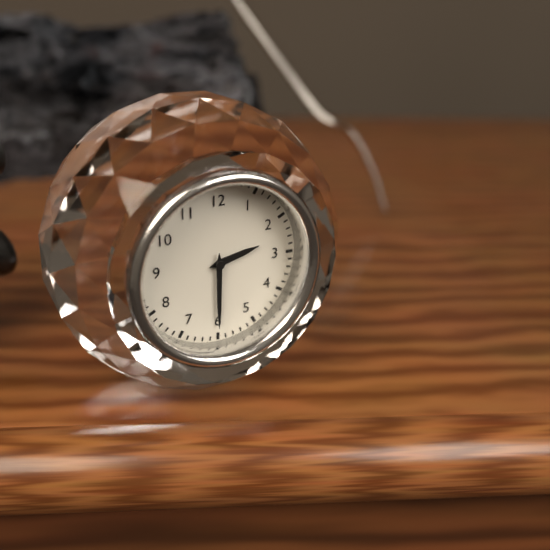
2:30
